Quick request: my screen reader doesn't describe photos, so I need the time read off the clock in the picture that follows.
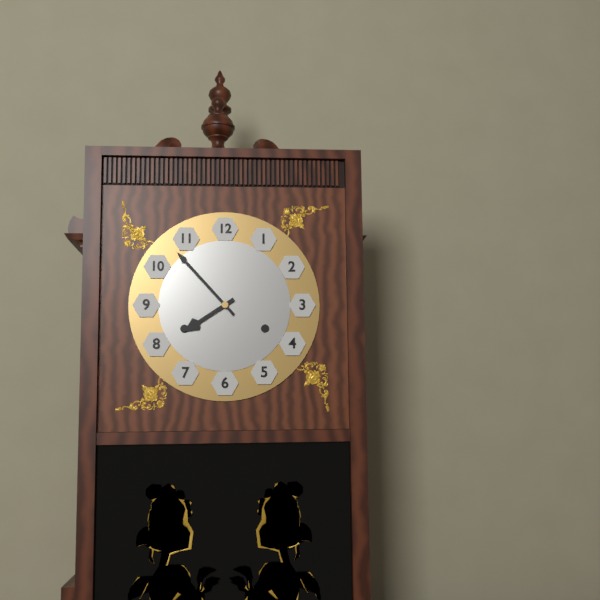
7:53
